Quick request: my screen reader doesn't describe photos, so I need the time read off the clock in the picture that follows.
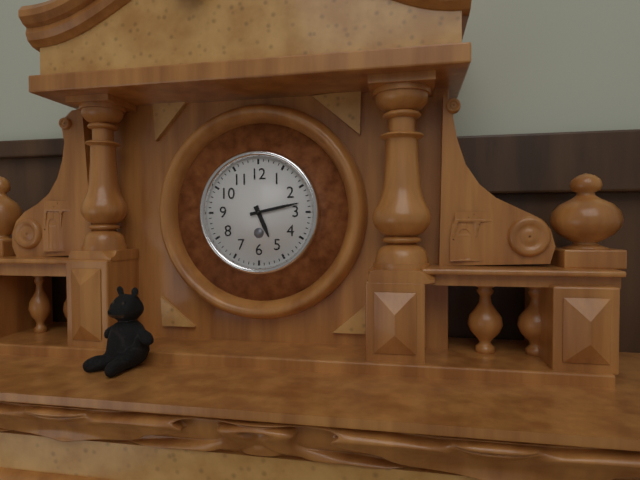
5:13
